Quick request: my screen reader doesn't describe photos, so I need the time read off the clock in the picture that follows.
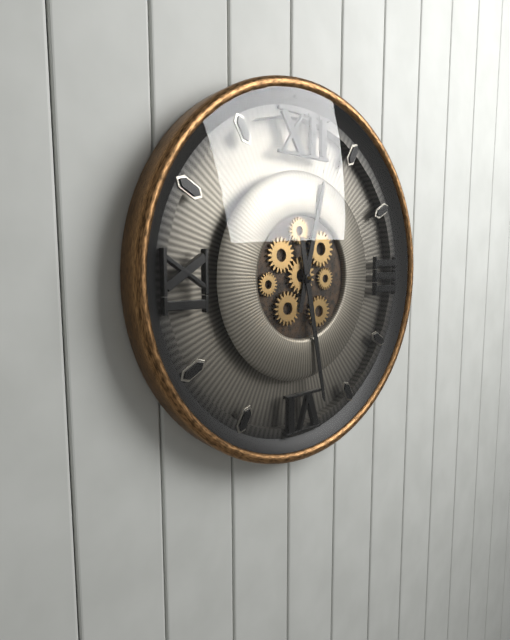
12:28
